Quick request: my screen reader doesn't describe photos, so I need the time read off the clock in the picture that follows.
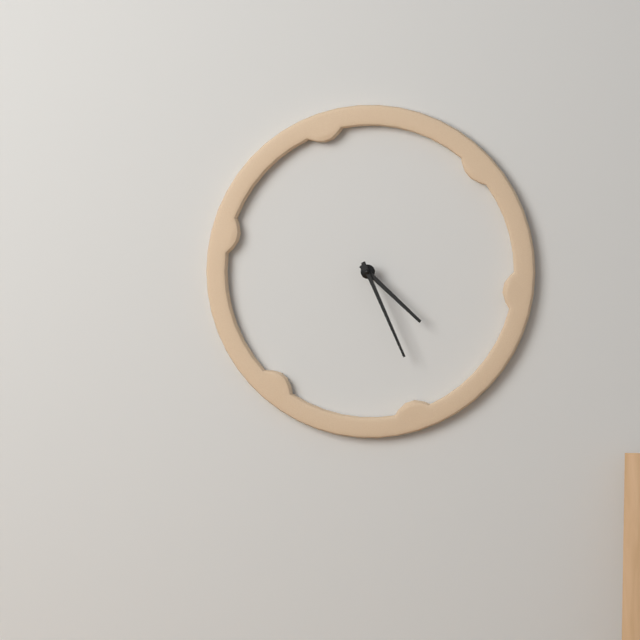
4:26
